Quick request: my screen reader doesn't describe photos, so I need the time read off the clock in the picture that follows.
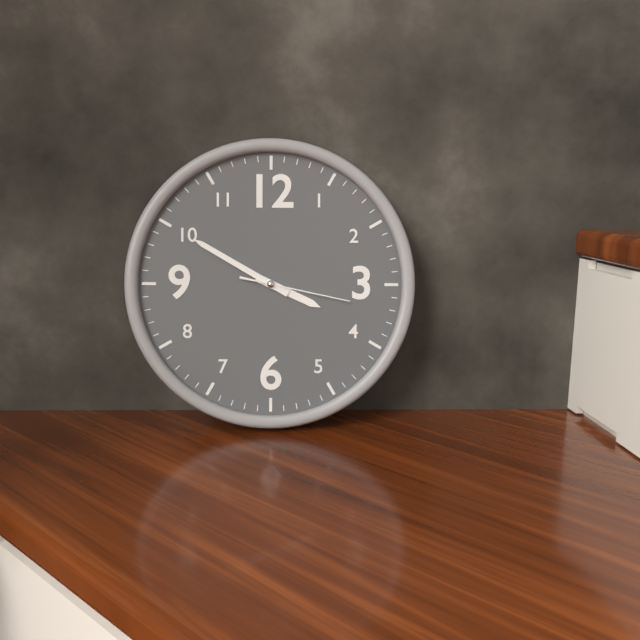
3:50:17
